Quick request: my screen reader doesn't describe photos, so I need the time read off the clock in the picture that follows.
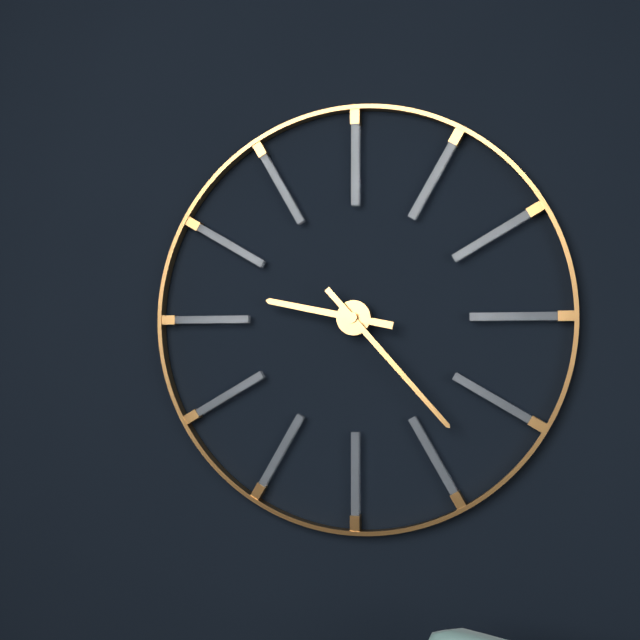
9:23
